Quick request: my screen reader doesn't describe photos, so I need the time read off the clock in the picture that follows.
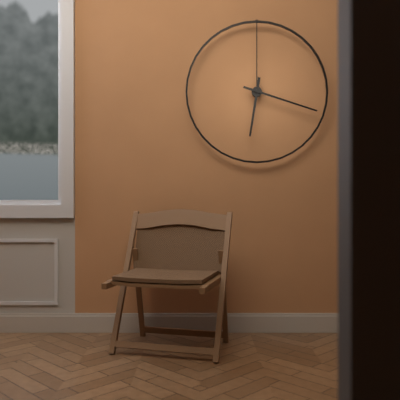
6:18
